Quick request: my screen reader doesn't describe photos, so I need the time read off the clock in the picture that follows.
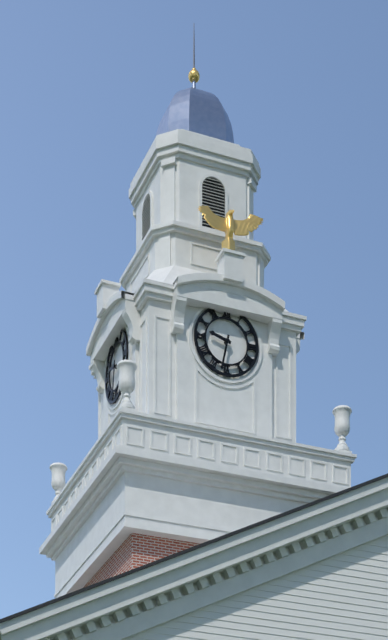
9:32
